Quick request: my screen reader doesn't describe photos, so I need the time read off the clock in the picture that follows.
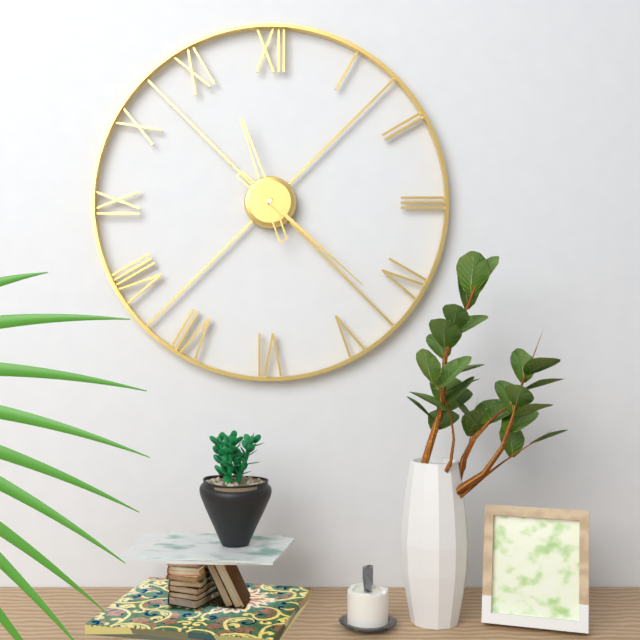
11:22
